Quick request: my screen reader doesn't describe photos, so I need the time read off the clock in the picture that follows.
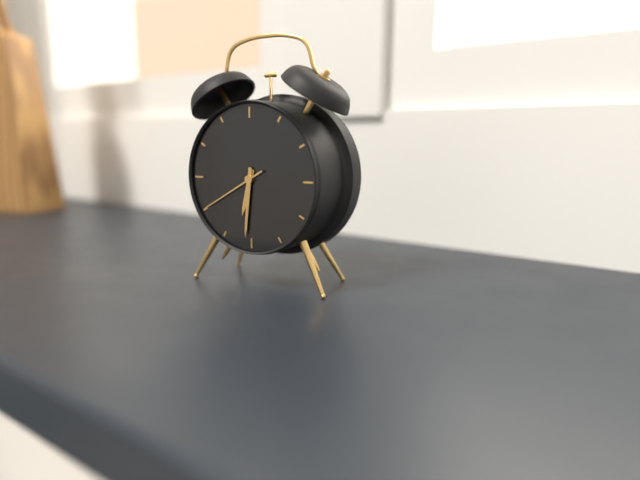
6:31:40
